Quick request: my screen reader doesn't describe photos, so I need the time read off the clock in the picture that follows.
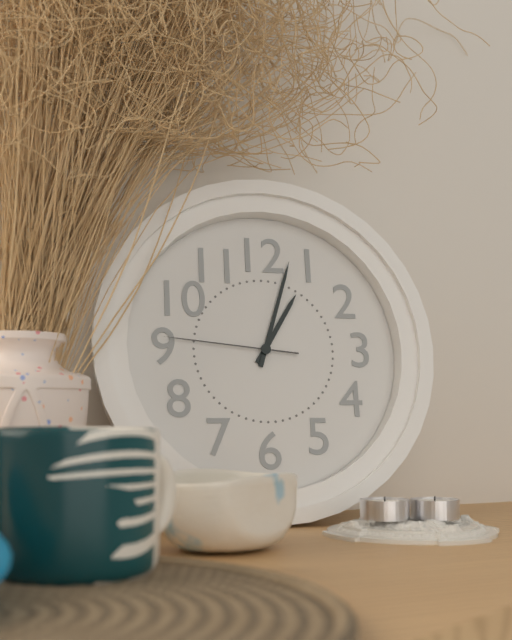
1:03:46
